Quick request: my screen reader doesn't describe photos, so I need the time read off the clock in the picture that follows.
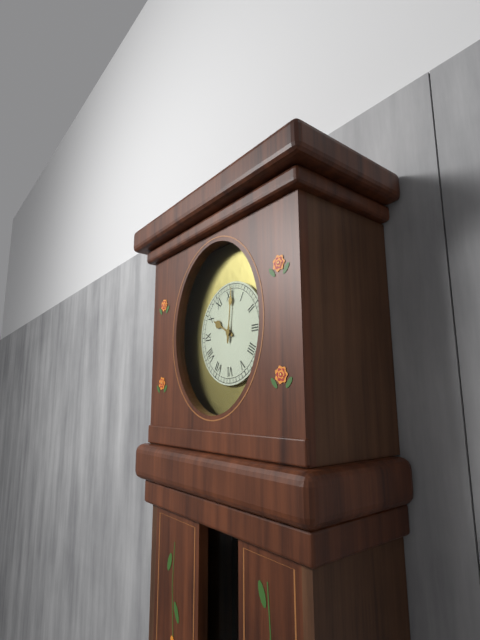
10:01
